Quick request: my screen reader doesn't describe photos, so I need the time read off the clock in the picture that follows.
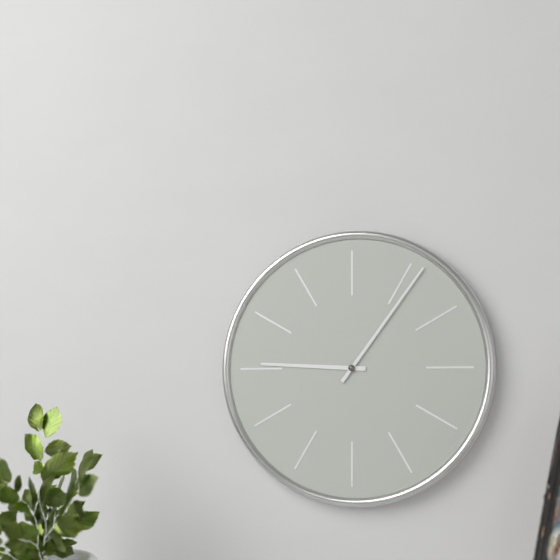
9:06
